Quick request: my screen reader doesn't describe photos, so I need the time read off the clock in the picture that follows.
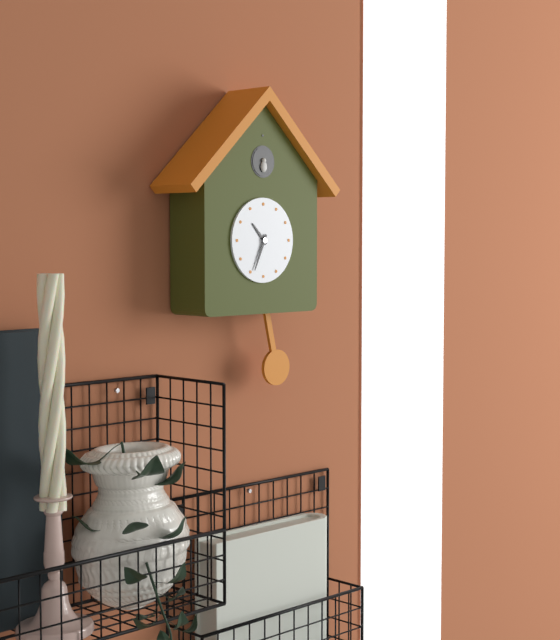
10:34
